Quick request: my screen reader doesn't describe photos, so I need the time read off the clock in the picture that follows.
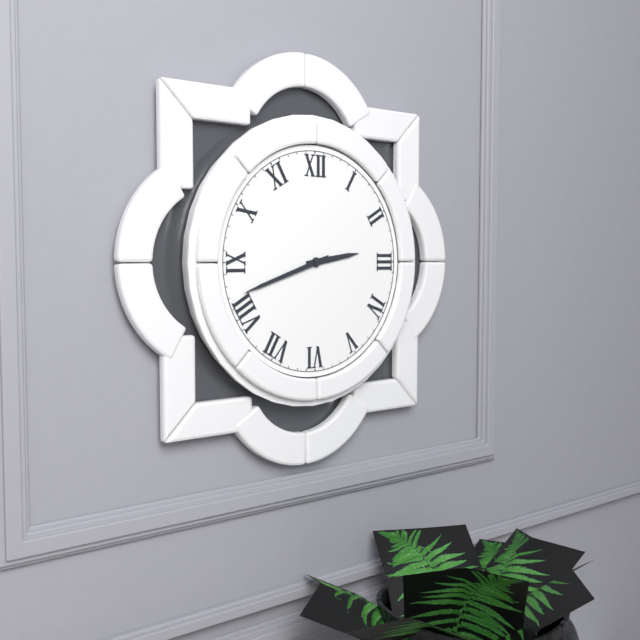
2:42
